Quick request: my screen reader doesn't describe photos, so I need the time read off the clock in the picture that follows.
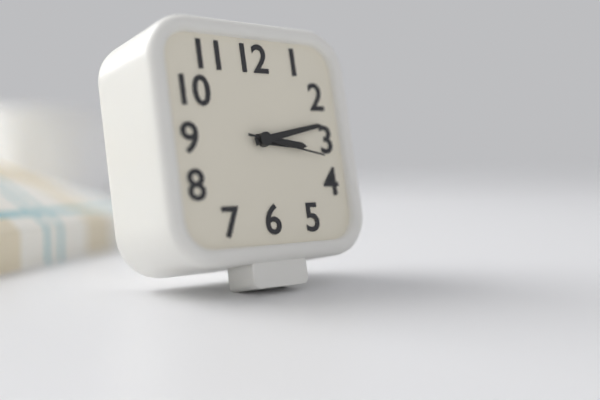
3:13:17
